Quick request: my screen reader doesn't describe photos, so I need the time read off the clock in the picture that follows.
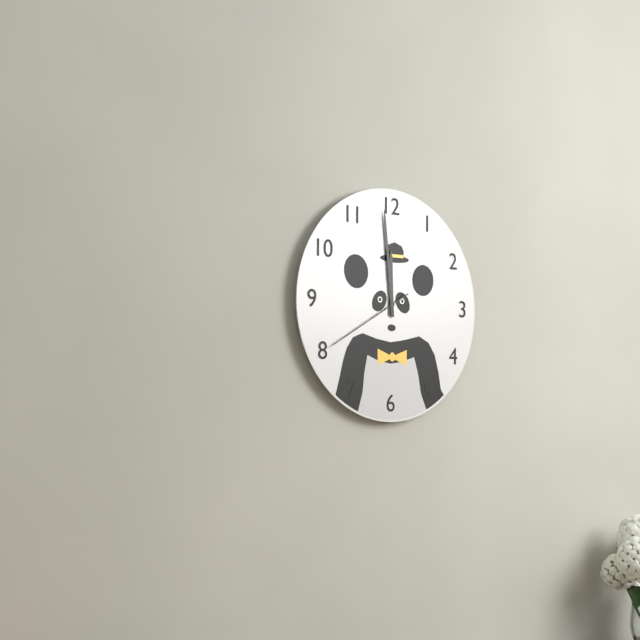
11:59:40
